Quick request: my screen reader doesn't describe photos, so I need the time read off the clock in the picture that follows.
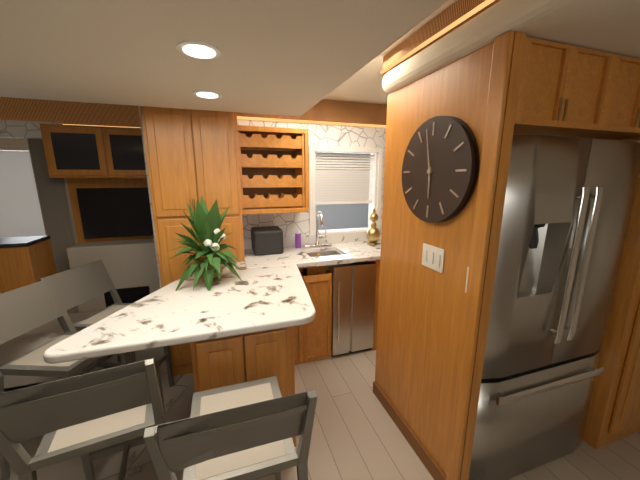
5:58
